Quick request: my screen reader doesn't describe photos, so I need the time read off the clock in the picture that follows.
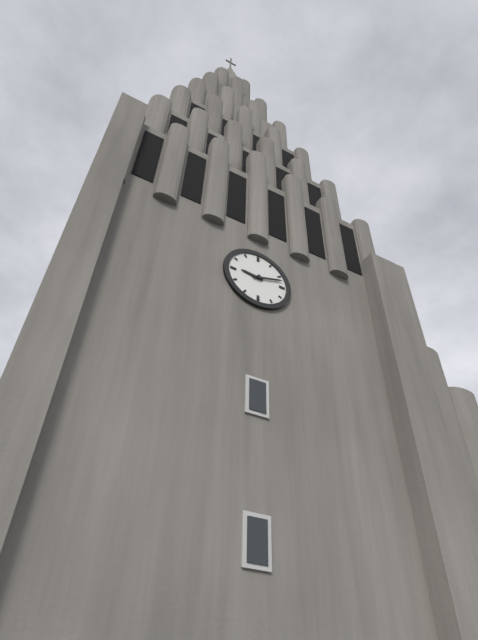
9:12
